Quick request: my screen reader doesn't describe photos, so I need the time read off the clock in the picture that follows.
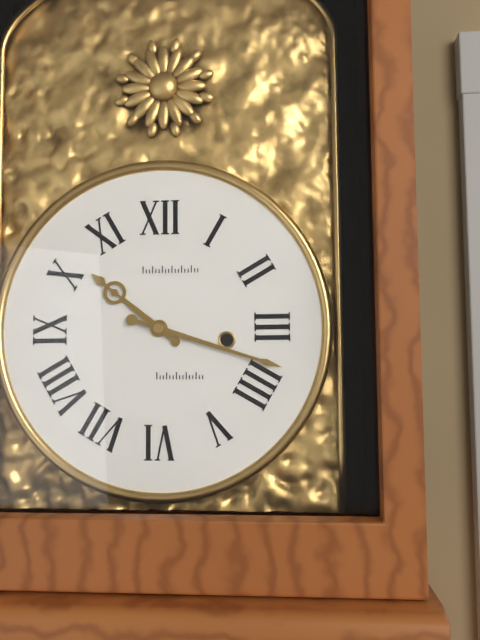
10:18
